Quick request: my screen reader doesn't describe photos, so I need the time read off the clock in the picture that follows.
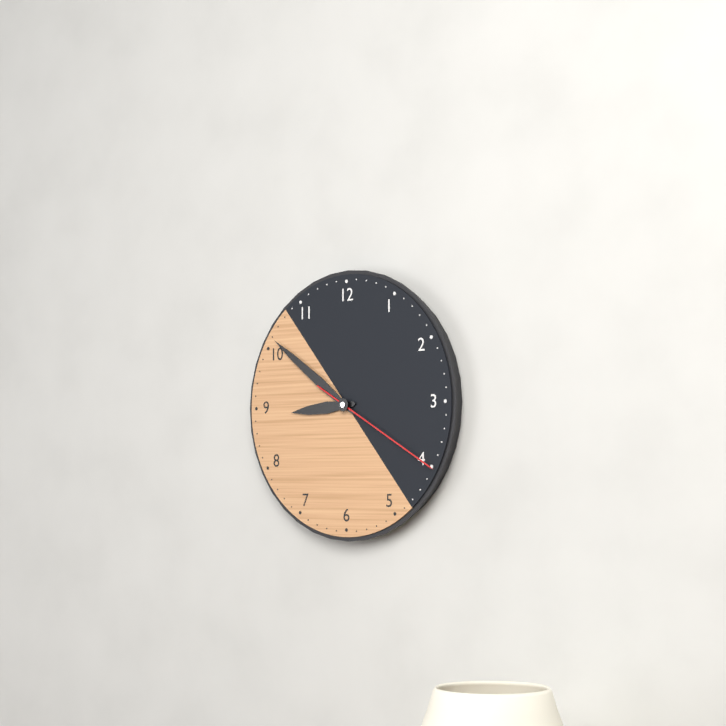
8:51:20
